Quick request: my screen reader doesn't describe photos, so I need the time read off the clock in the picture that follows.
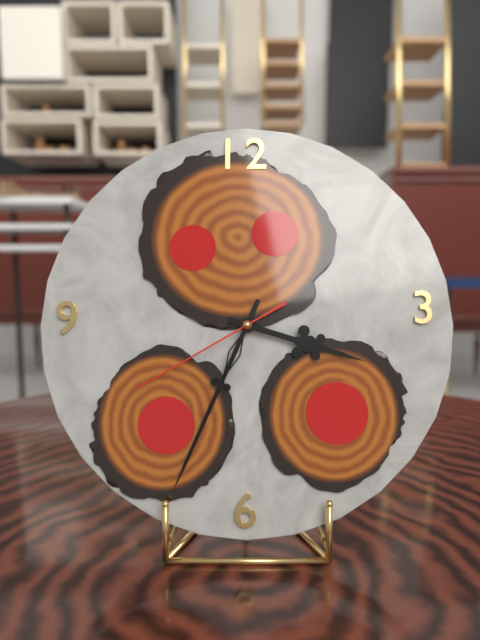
3:34:40
